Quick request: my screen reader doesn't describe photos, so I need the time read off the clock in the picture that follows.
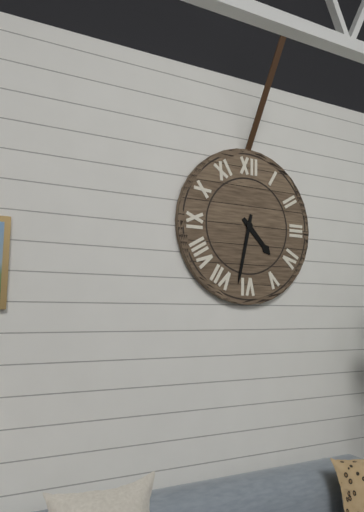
4:32
